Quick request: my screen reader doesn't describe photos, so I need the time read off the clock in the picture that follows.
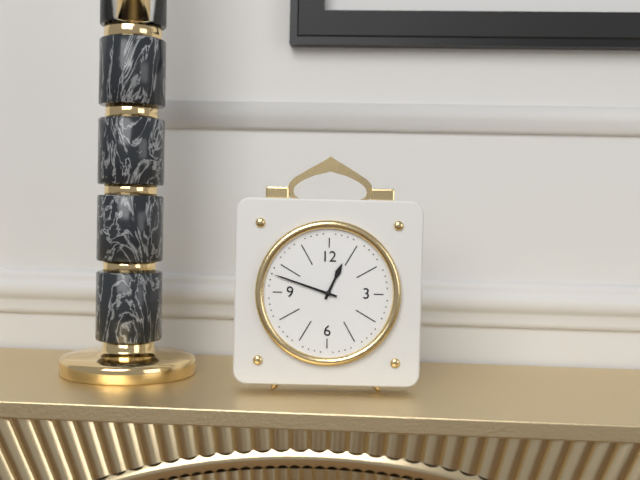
12:48
